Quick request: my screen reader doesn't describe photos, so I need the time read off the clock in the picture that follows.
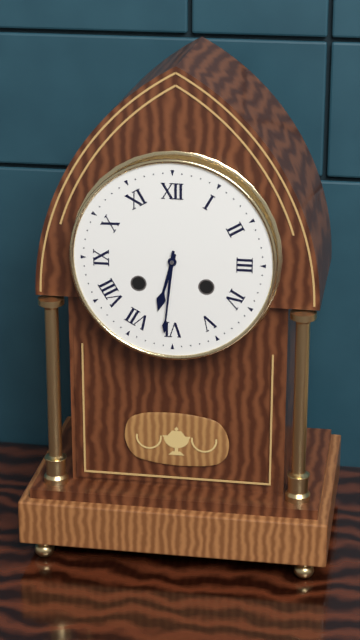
6:31
